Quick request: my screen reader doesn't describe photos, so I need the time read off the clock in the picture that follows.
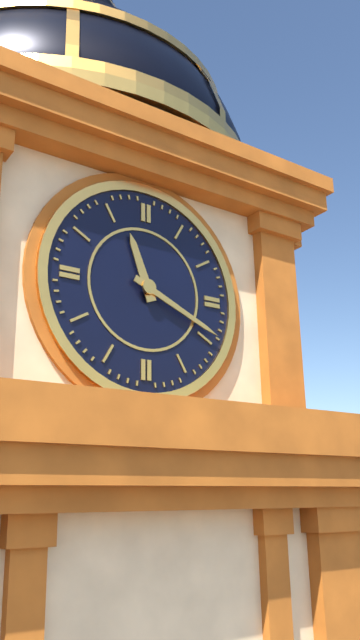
11:19
